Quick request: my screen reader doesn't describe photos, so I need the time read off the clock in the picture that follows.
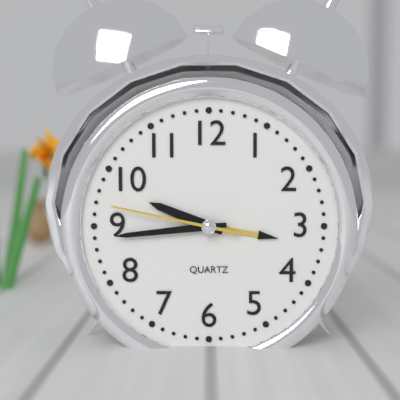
9:44:47
